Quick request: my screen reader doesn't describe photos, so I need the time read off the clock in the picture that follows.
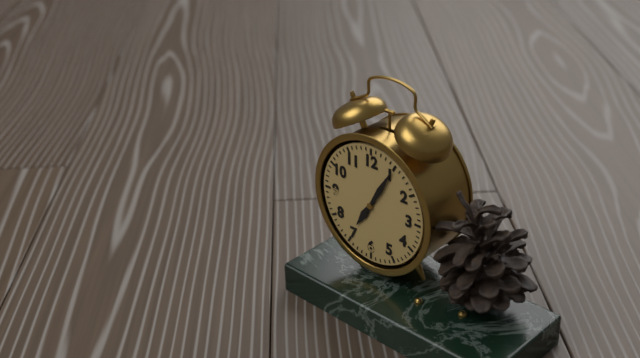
7:05
